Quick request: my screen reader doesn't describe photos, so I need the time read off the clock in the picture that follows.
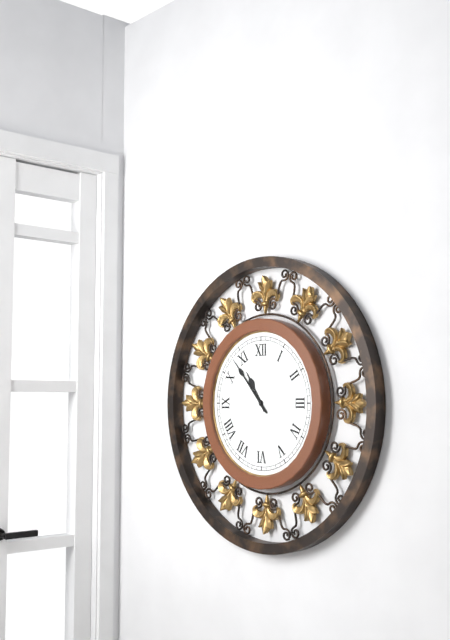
10:53
